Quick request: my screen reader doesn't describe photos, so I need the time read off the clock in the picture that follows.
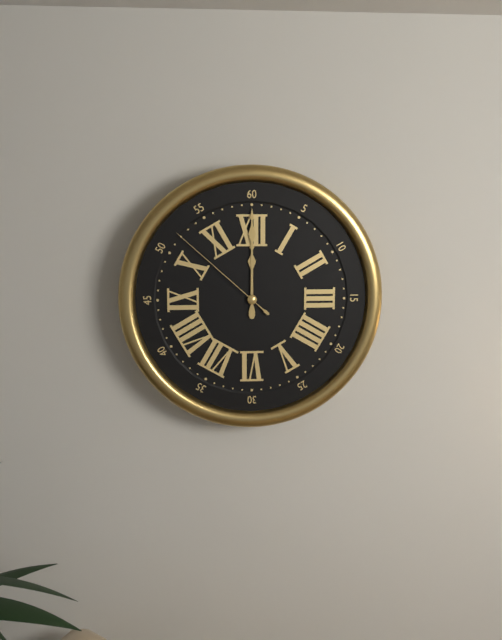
12:00:52
